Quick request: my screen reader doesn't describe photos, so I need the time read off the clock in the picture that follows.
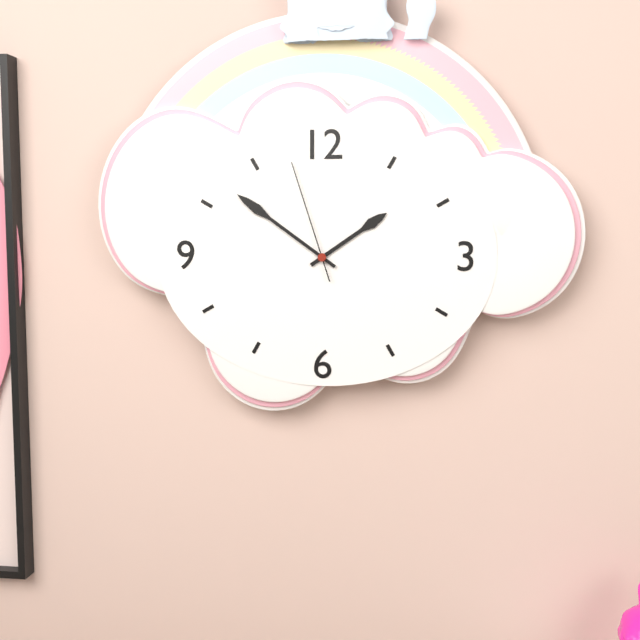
1:51:57
